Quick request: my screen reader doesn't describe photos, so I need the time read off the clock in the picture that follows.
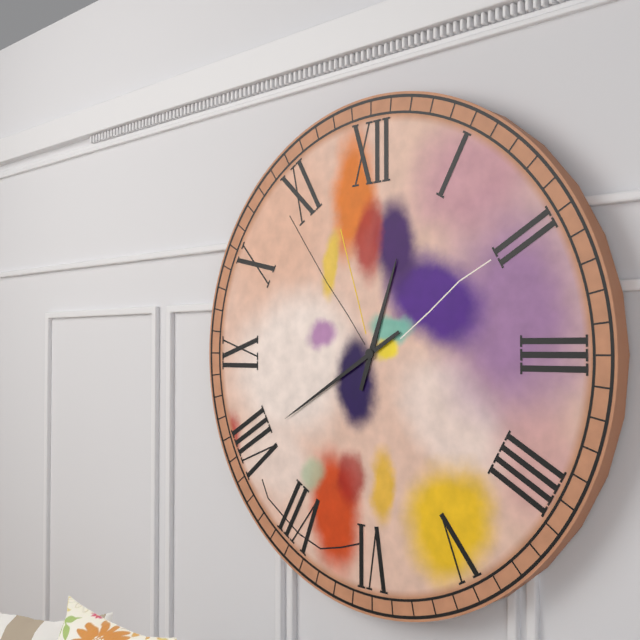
12:40
